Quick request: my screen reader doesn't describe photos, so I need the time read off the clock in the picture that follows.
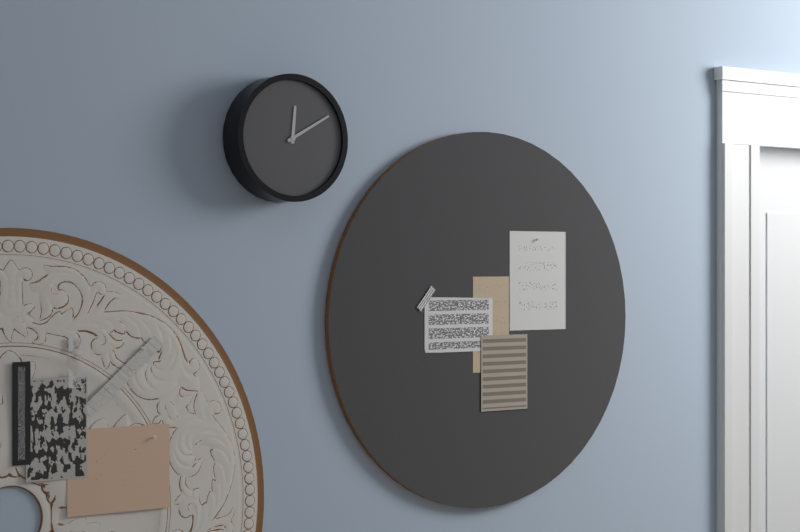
12:10
